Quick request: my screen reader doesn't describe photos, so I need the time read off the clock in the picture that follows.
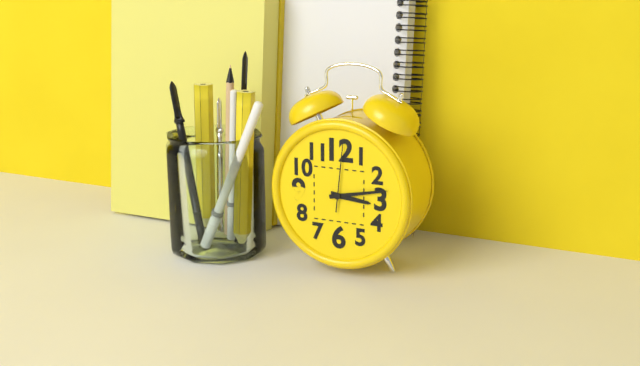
3:13:01
